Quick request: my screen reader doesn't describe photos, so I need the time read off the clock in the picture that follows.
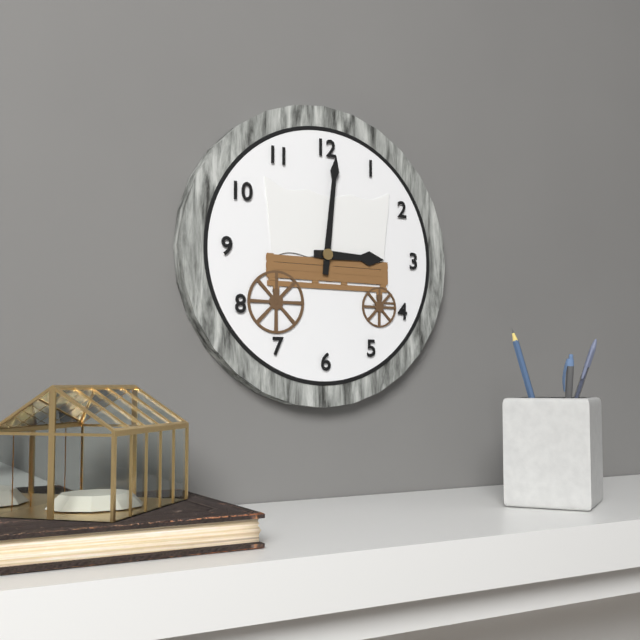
3:01
